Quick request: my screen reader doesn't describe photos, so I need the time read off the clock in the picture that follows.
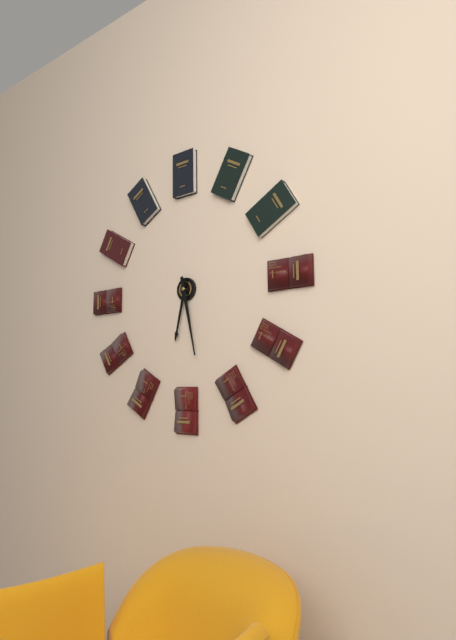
6:28
